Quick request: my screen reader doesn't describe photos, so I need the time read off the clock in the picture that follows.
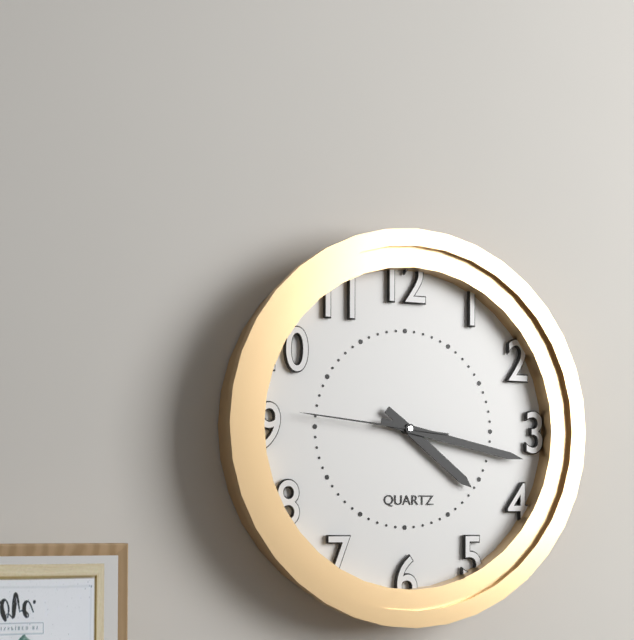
4:17:46
